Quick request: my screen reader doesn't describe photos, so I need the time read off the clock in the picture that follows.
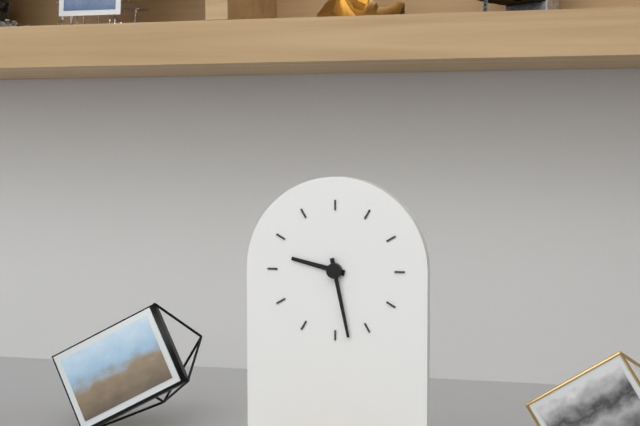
9:28
